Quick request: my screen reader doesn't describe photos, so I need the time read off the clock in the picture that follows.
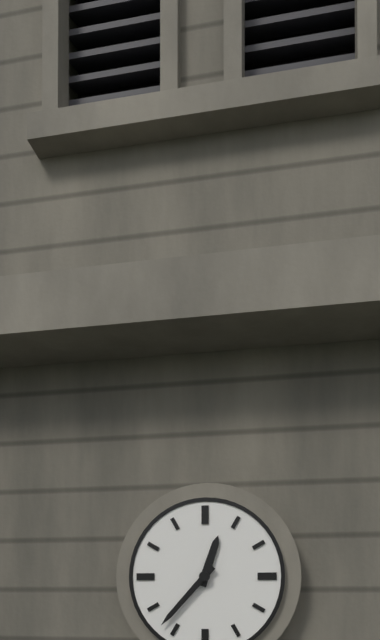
12:37
